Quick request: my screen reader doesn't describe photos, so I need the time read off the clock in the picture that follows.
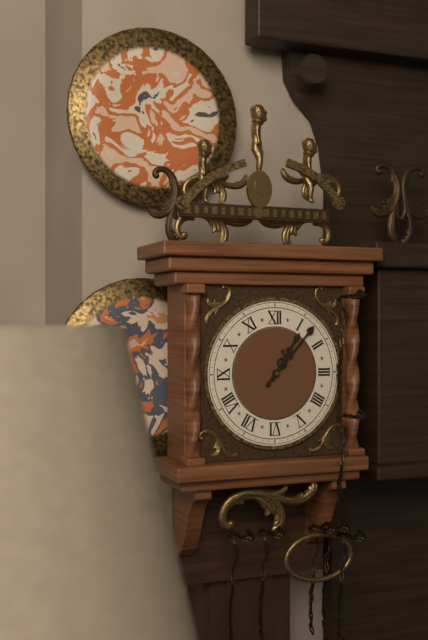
1:07
